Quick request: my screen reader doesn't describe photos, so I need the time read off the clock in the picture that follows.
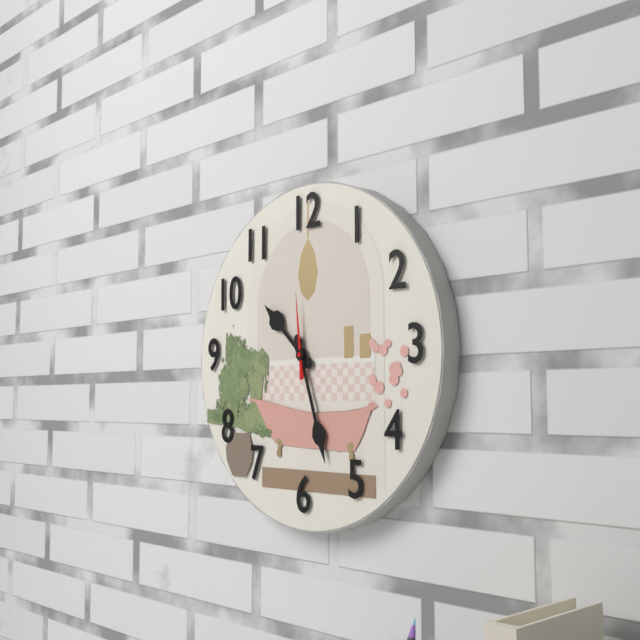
10:27:59
